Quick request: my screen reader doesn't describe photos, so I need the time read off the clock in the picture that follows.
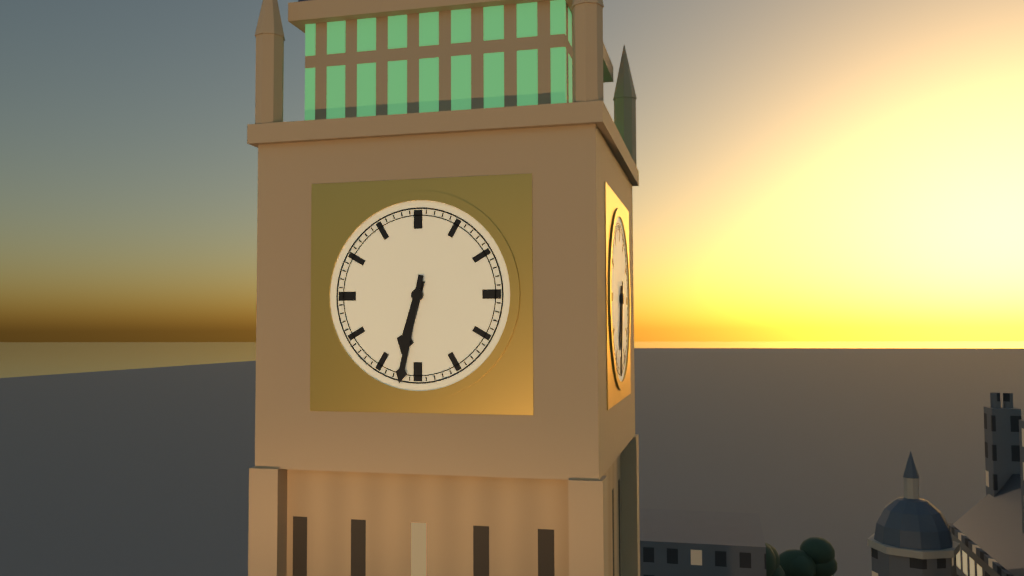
6:32
